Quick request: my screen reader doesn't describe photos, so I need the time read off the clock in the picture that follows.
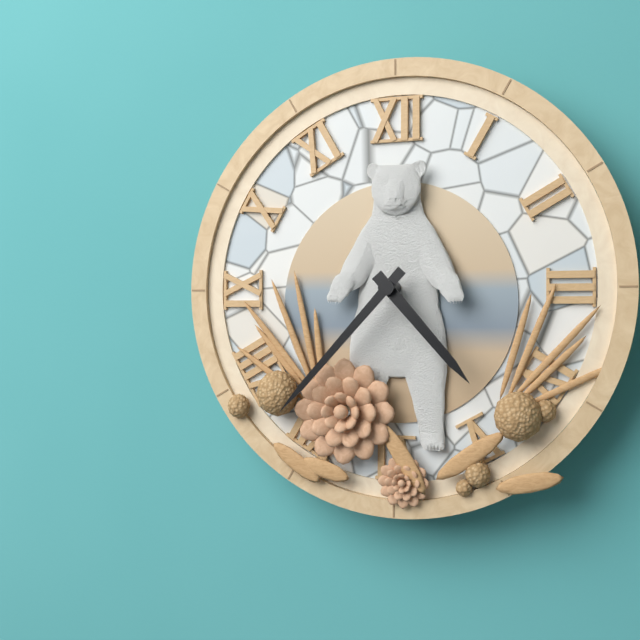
4:37
